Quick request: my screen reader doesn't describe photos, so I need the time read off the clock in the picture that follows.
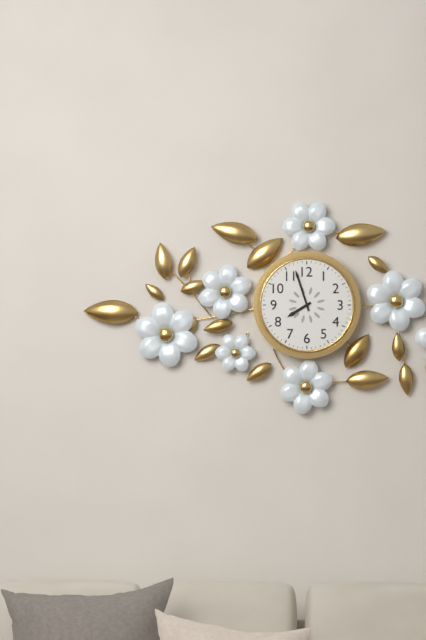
7:57
